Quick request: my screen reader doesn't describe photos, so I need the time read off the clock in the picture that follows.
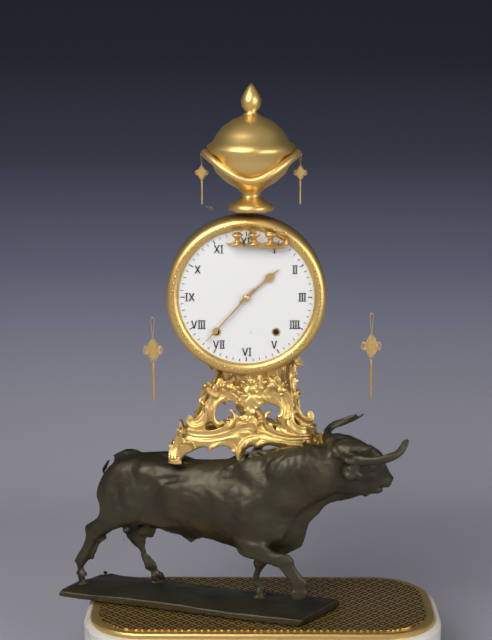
1:37
